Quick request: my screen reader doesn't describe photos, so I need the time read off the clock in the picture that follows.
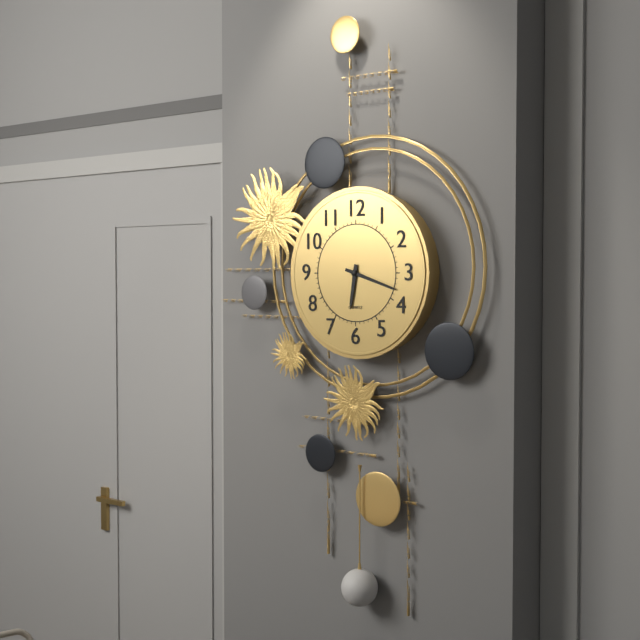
6:18
